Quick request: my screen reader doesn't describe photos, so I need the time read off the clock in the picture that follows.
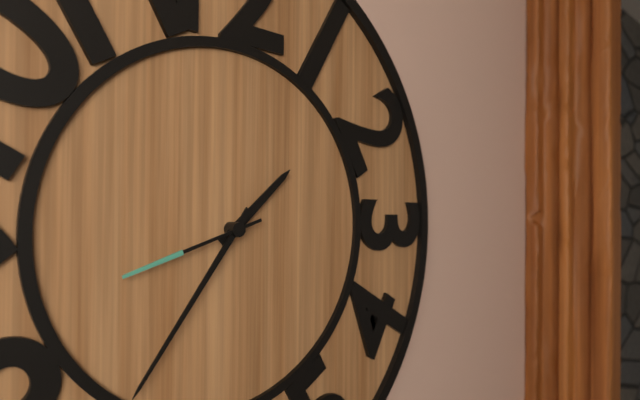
1:36:42
